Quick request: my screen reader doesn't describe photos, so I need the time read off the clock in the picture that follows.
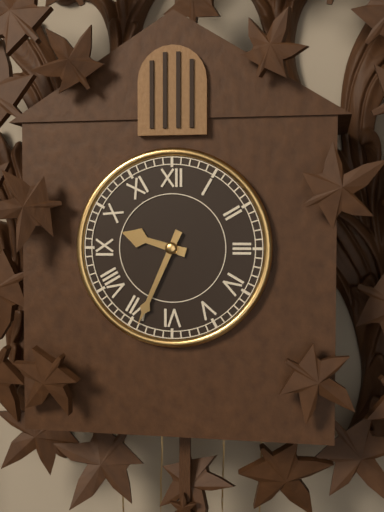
9:34
